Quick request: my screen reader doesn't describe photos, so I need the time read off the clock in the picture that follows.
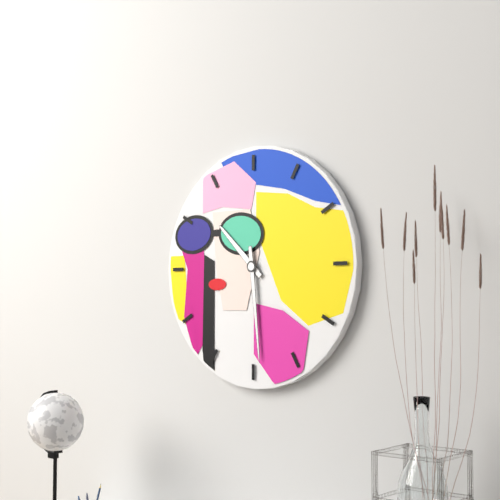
10:29
